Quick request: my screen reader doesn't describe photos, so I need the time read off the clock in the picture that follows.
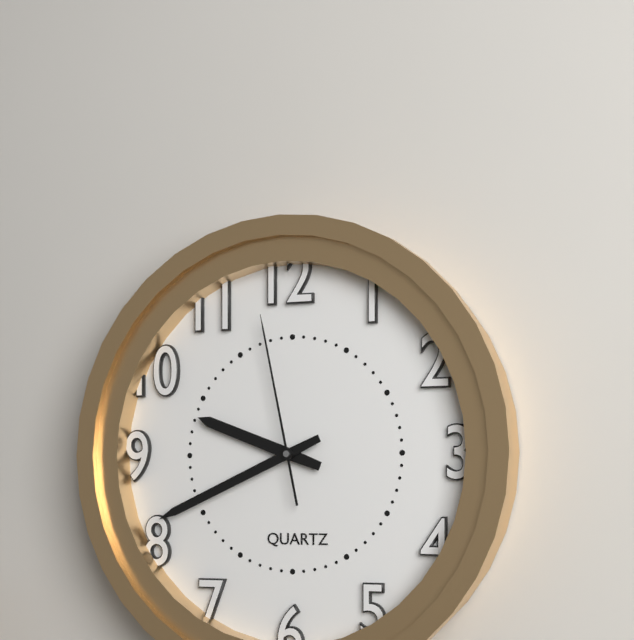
9:41:58
